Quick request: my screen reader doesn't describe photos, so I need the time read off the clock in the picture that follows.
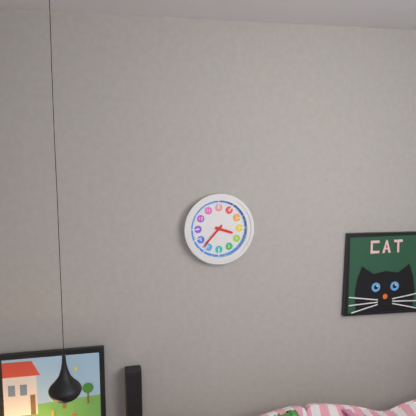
3:37
